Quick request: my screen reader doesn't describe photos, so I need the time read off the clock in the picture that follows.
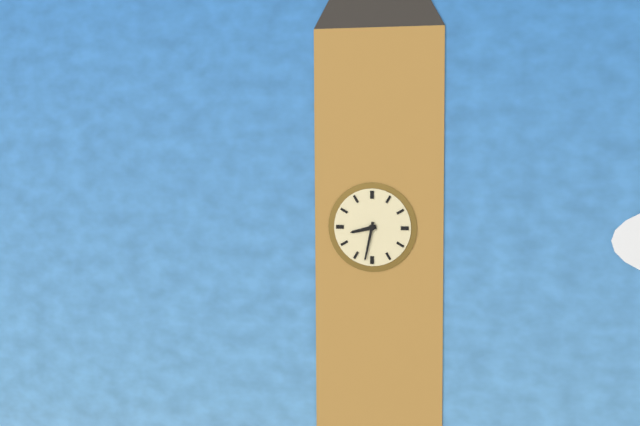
8:32
